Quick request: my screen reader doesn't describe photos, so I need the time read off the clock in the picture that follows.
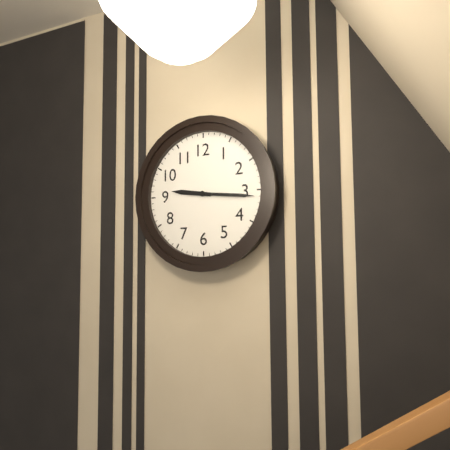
9:16
